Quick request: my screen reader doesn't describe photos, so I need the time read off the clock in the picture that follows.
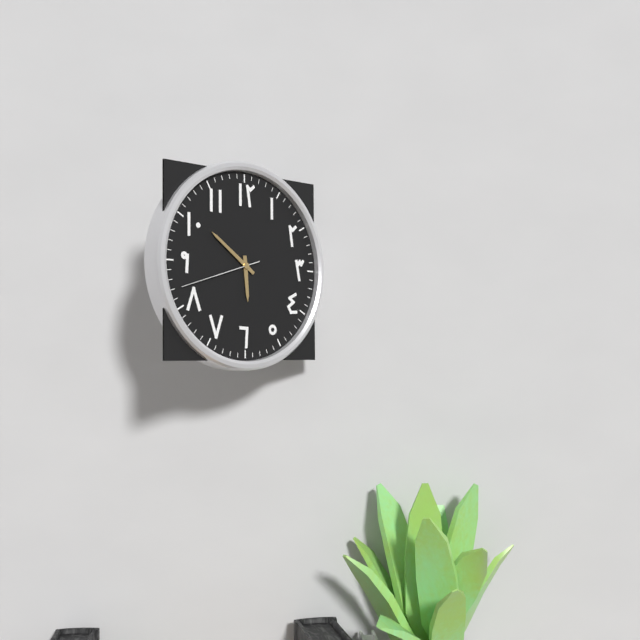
5:51:42
